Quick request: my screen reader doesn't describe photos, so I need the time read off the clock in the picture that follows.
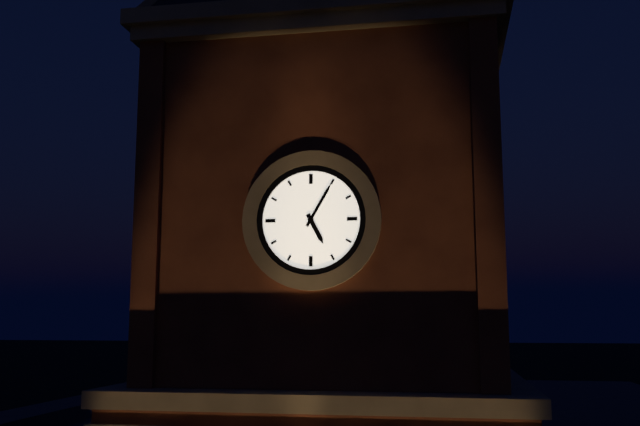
5:05
